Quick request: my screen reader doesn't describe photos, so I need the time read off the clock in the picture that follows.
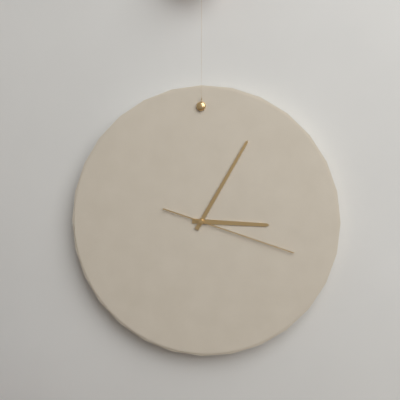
3:05:18
